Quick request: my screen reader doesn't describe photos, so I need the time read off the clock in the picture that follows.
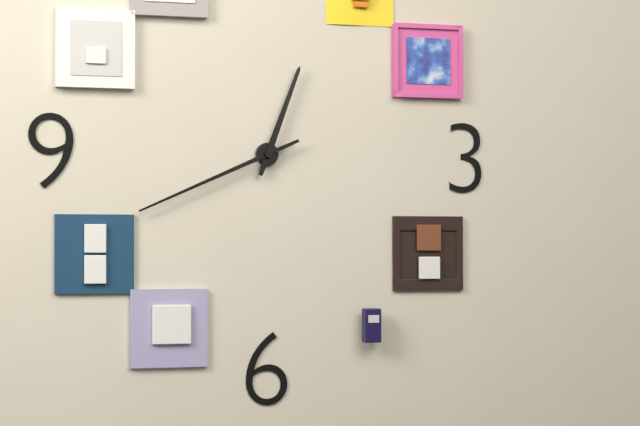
12:41
